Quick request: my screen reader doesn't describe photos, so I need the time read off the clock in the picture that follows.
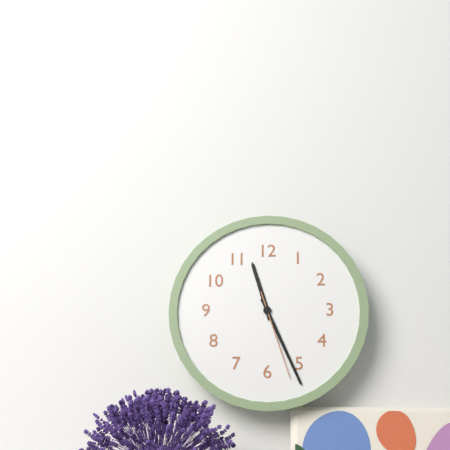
11:26:27
